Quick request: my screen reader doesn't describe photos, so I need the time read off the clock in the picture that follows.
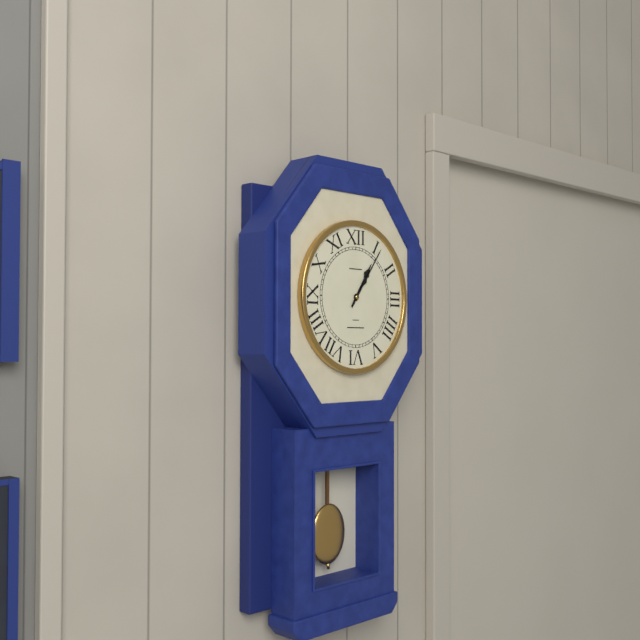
1:06
